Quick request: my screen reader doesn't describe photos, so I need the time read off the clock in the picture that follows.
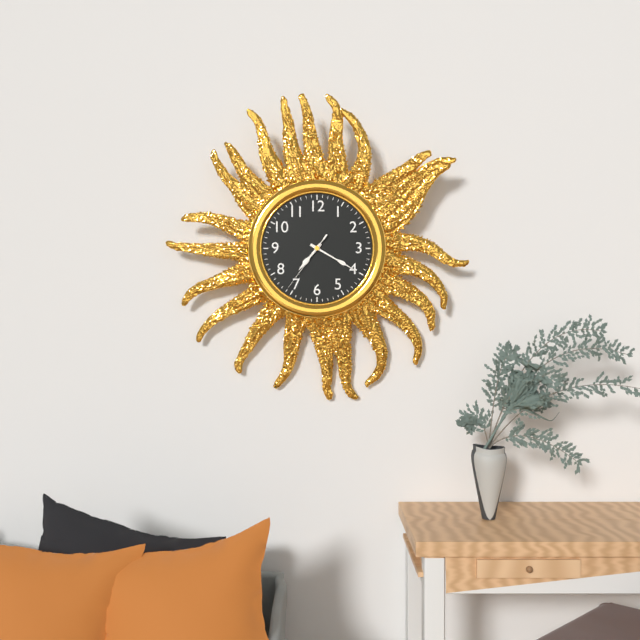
7:20:36
